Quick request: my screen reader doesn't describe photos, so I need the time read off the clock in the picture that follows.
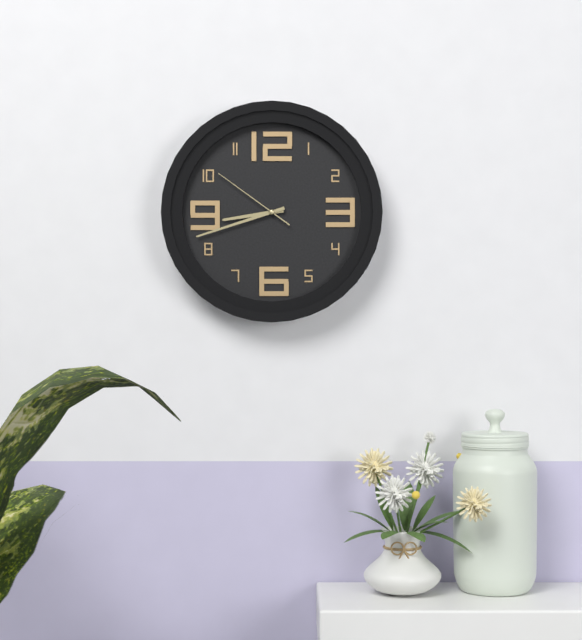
8:42:51
